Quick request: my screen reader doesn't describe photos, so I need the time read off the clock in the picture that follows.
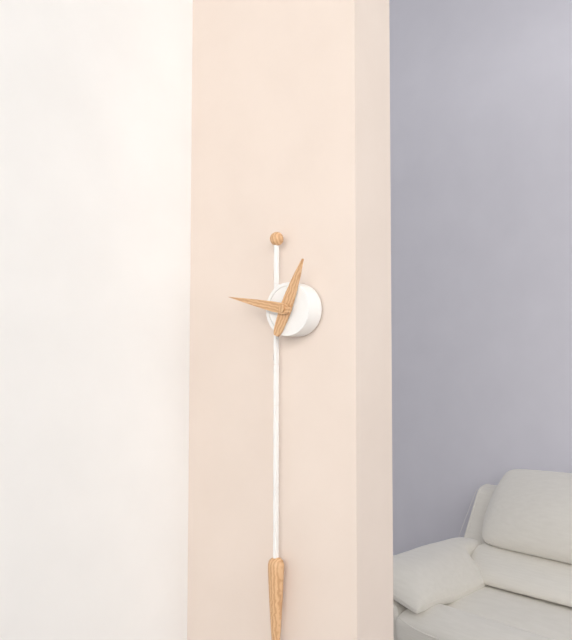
12:47
